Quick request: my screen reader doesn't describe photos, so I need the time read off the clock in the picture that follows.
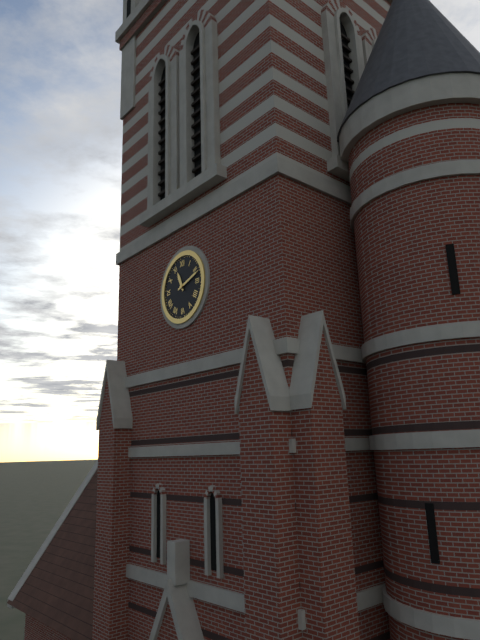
11:12
